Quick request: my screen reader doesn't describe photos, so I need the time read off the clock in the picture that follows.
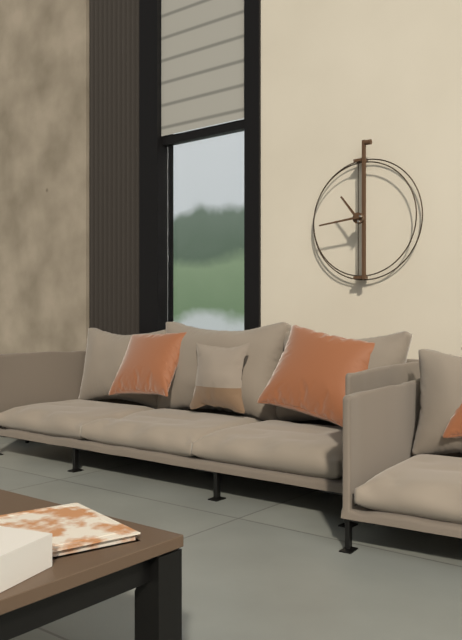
10:44
